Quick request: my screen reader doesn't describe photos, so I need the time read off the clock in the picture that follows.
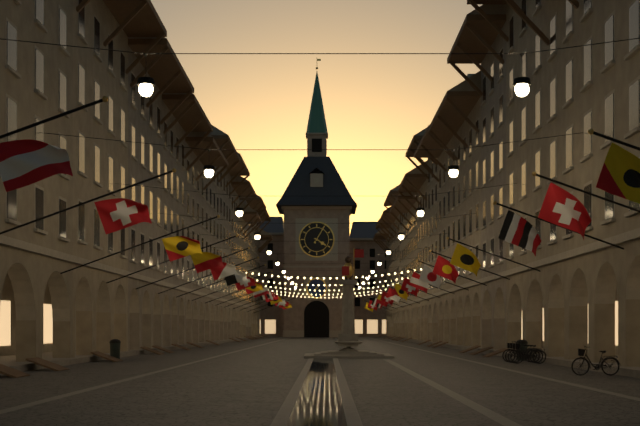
4:05
